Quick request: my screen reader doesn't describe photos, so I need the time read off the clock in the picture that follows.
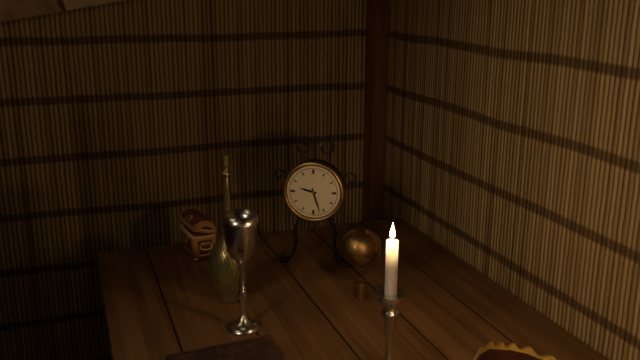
9:27
